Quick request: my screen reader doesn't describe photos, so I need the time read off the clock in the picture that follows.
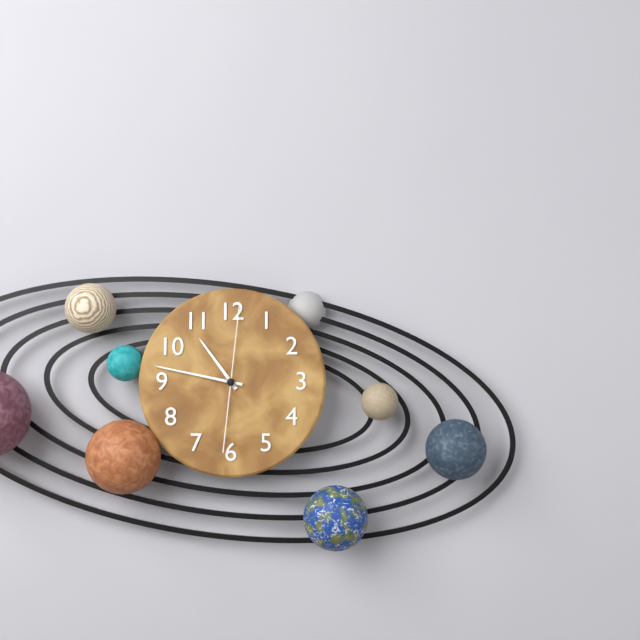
10:47:01
